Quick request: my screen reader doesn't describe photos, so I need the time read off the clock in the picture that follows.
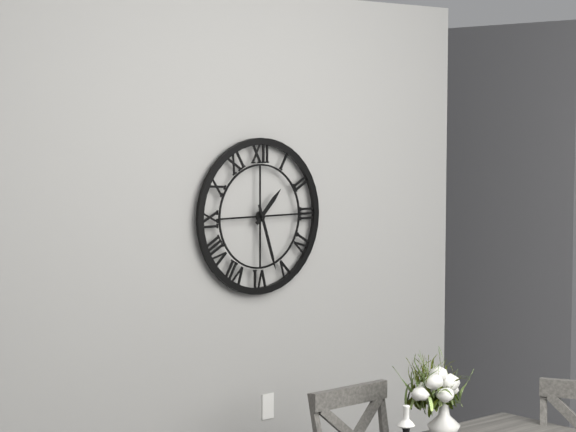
1:27
